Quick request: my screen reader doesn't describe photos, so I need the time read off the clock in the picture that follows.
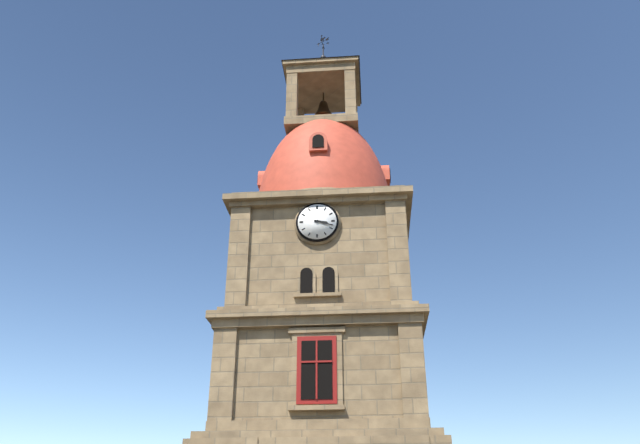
3:18
